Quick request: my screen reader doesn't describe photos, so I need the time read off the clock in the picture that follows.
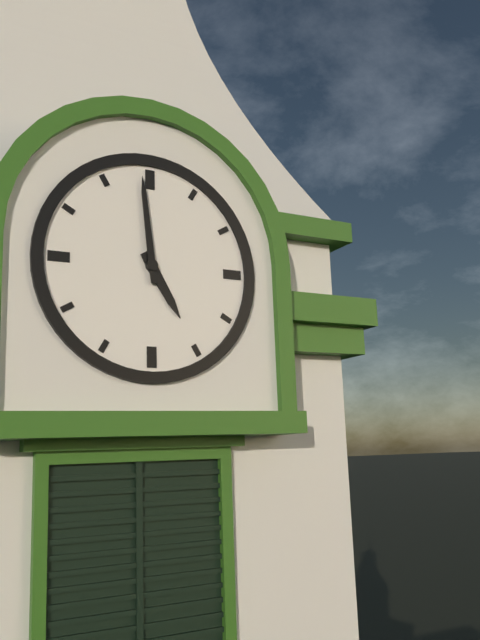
4:59
